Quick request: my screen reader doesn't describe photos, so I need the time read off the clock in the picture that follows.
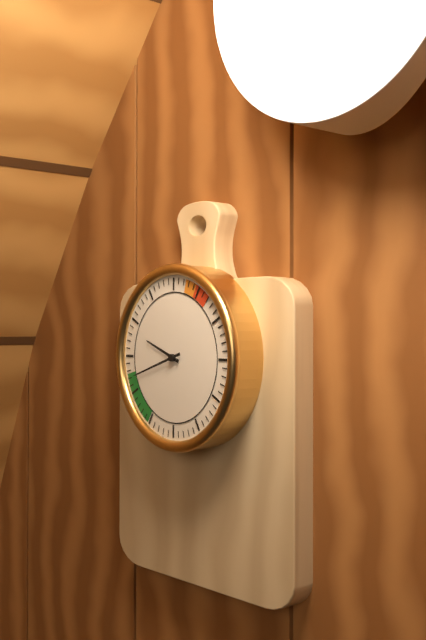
9:42
